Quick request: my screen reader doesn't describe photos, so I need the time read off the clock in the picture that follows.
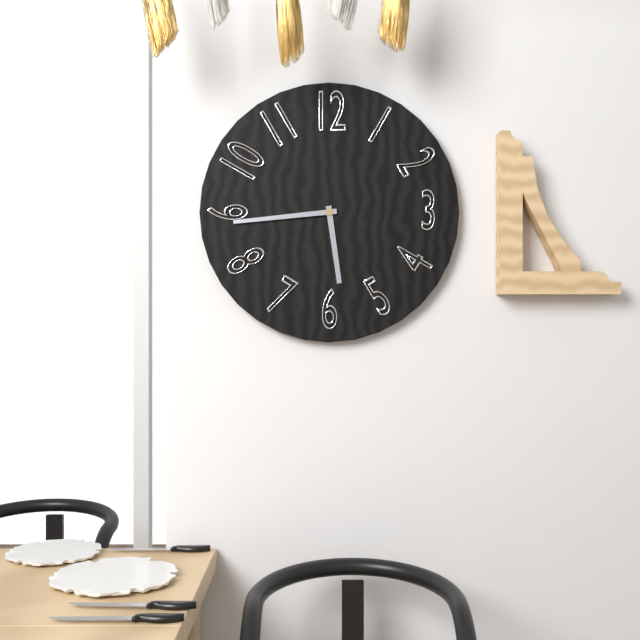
5:44
